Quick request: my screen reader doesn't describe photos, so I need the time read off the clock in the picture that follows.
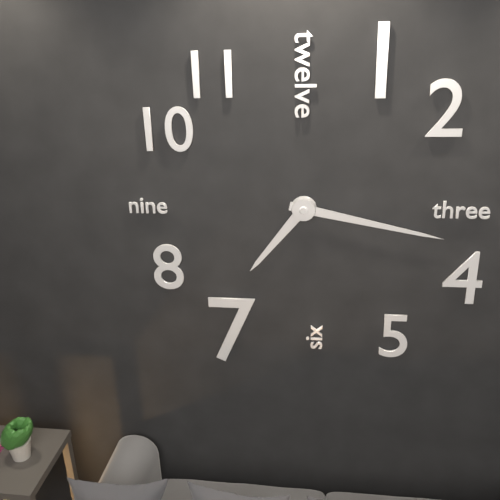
7:17
